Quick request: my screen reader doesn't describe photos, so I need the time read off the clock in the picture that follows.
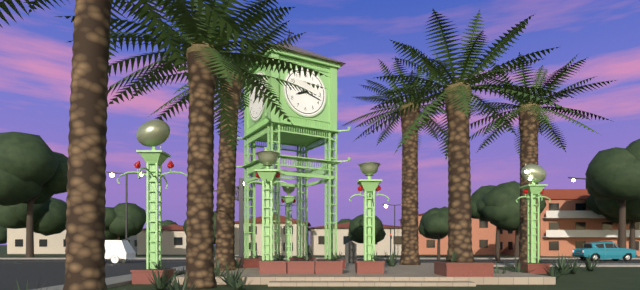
8:18
